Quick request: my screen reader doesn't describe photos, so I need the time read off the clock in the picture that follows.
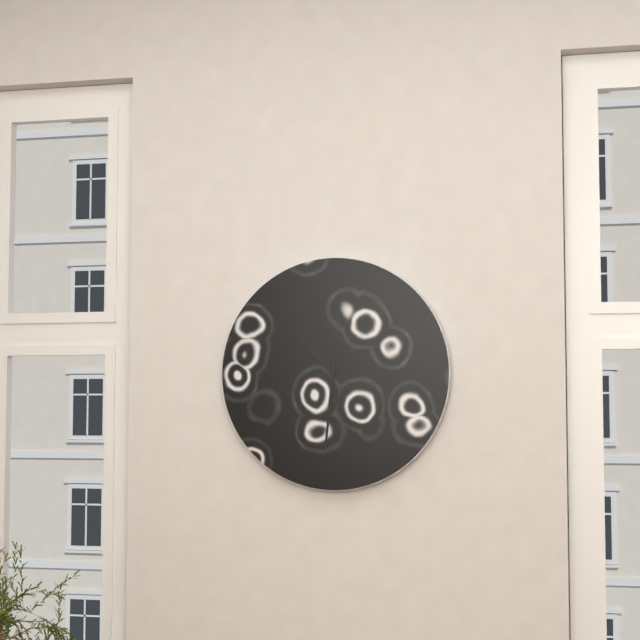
10:31
